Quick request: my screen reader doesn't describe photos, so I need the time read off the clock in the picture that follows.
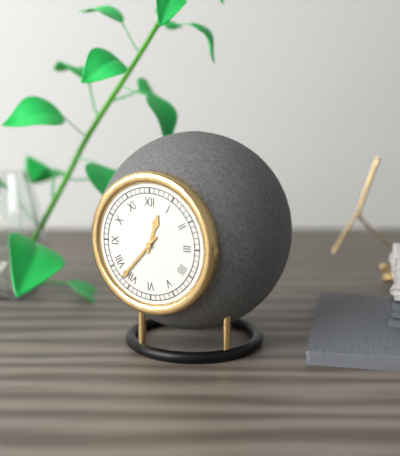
12:37
